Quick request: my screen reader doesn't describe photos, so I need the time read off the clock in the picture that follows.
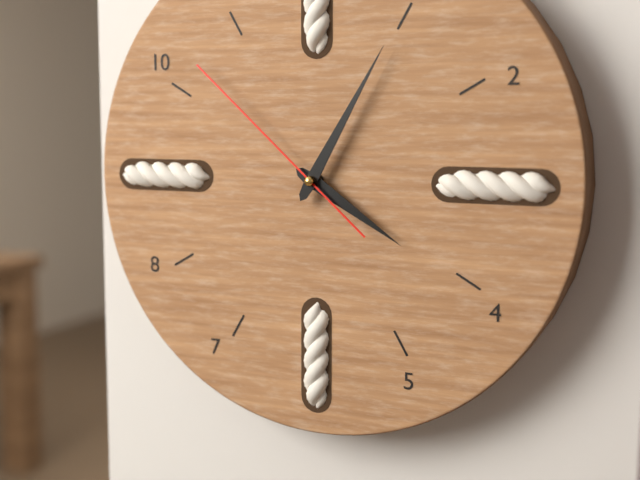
4:05:52
